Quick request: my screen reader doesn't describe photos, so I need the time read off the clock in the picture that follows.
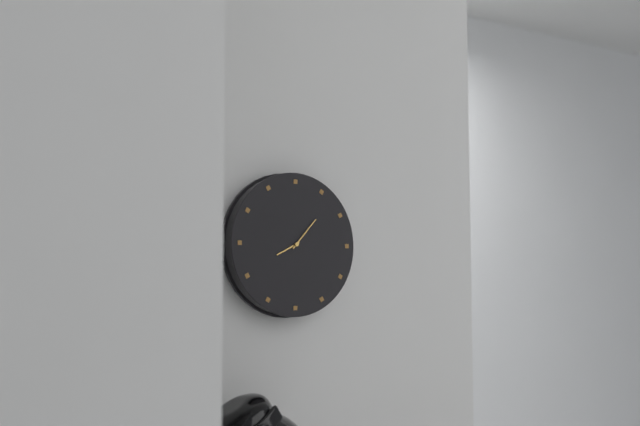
8:07
